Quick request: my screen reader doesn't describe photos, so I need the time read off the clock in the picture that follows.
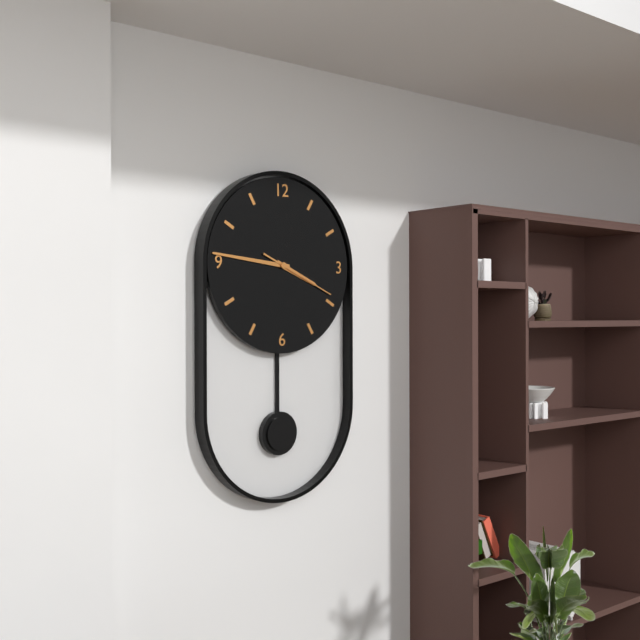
3:46:19
